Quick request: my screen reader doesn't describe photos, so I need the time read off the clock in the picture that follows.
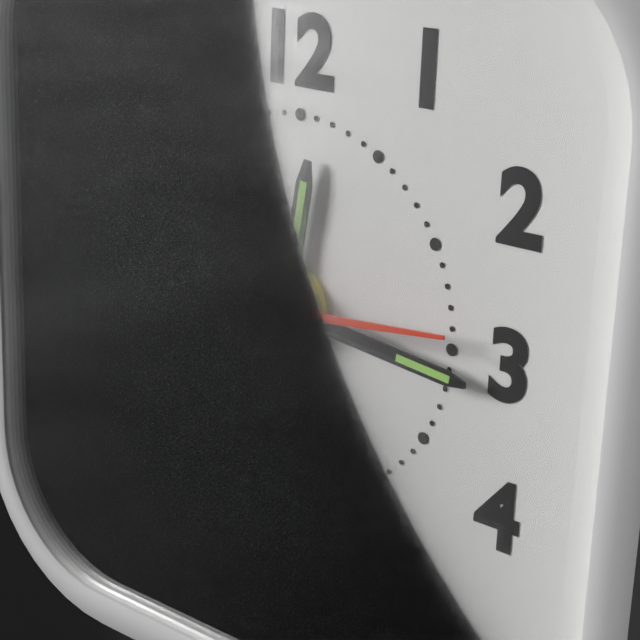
12:16:14
